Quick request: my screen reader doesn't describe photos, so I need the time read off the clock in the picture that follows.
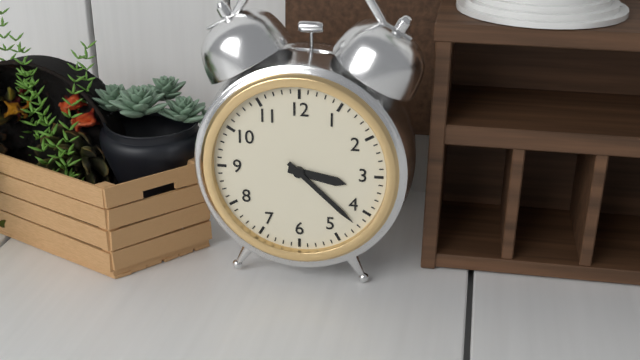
3:22
